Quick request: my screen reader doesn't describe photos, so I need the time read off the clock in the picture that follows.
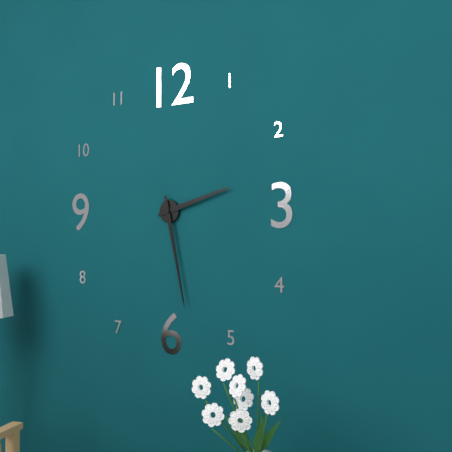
2:28
